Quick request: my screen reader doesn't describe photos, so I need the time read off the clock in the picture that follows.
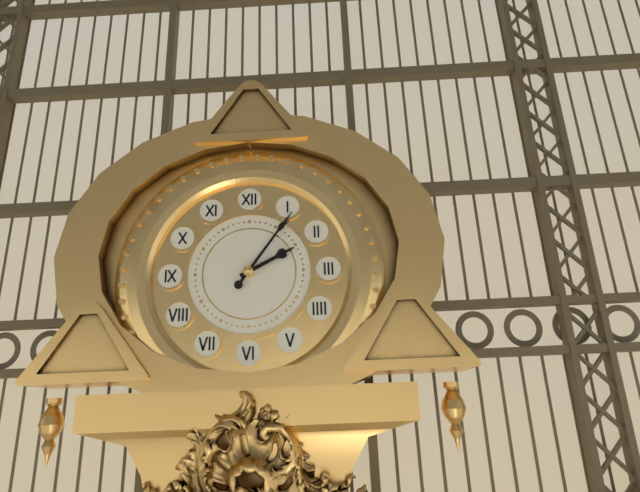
2:06
